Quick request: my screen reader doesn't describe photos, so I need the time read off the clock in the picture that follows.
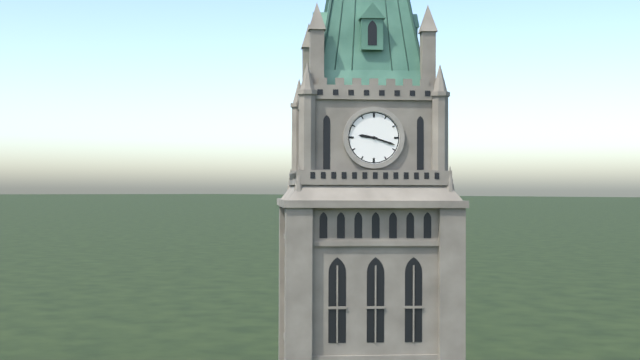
9:18
